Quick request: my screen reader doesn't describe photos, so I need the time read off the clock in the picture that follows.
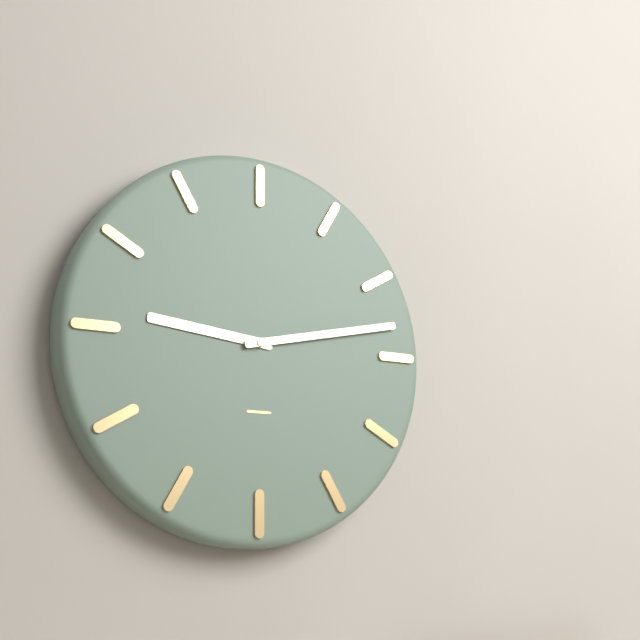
9:13
